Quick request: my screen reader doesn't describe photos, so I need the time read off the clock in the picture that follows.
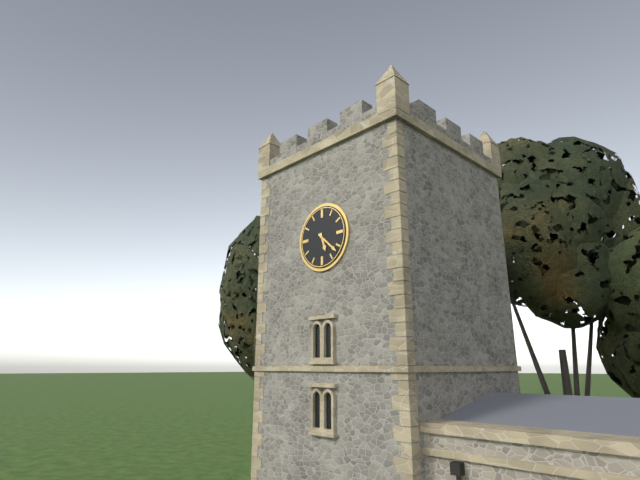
5:22
